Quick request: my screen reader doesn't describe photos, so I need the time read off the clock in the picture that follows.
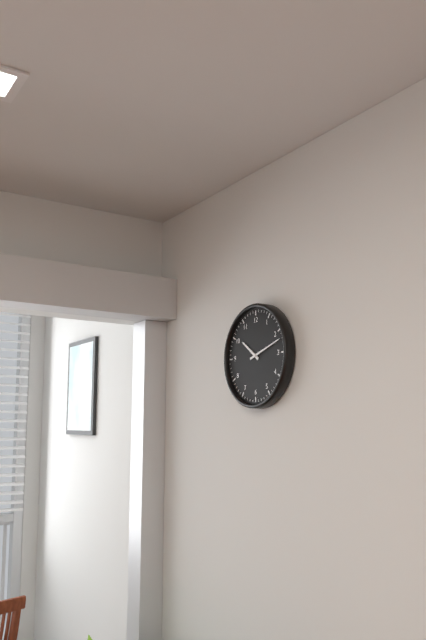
10:12
